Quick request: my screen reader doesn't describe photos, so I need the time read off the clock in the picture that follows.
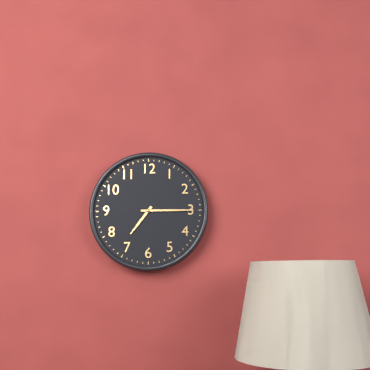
7:15
